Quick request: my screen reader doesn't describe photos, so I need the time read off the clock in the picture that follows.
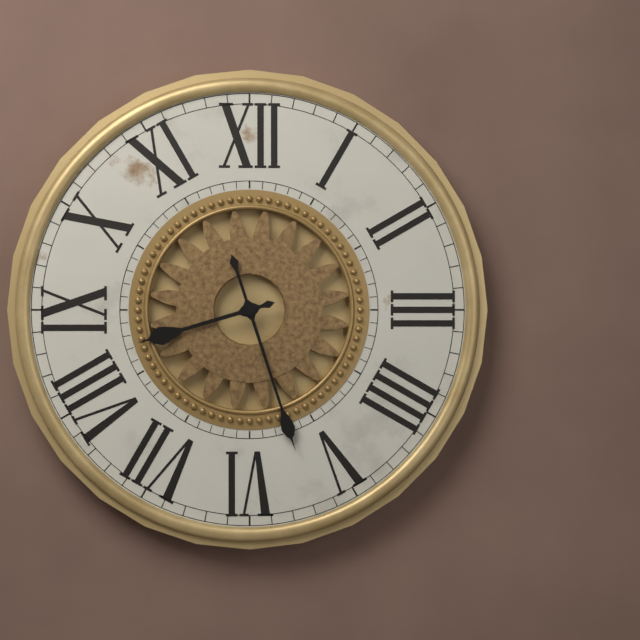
8:27
